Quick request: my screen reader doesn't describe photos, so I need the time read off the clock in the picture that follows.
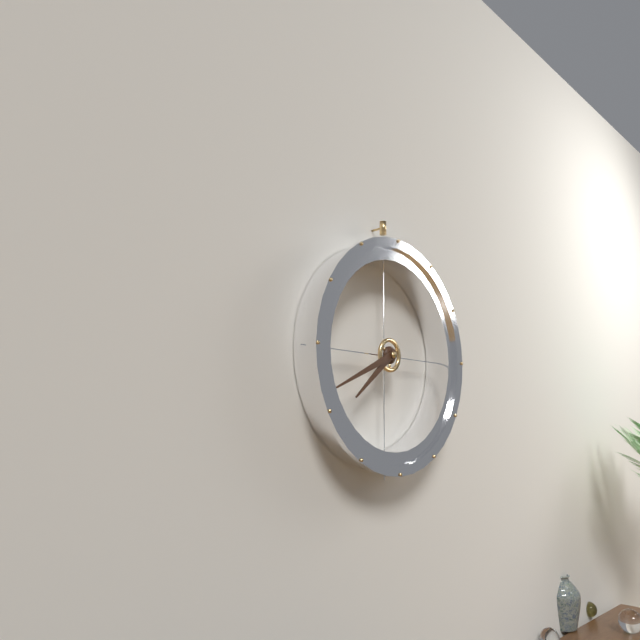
7:41
